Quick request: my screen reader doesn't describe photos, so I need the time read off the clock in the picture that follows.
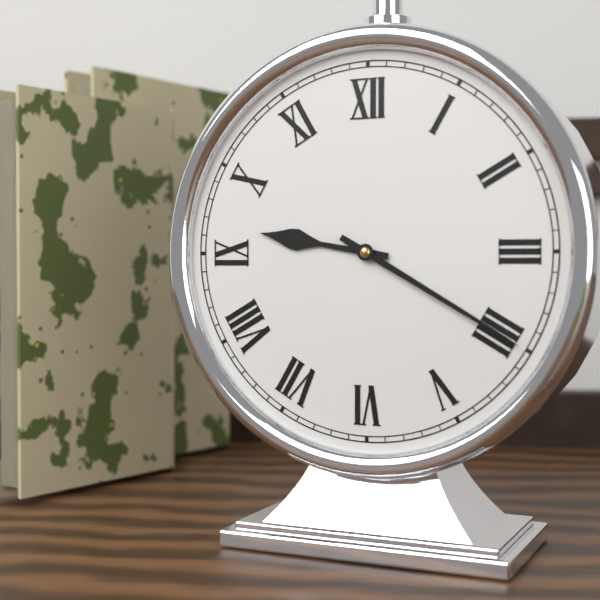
9:20
